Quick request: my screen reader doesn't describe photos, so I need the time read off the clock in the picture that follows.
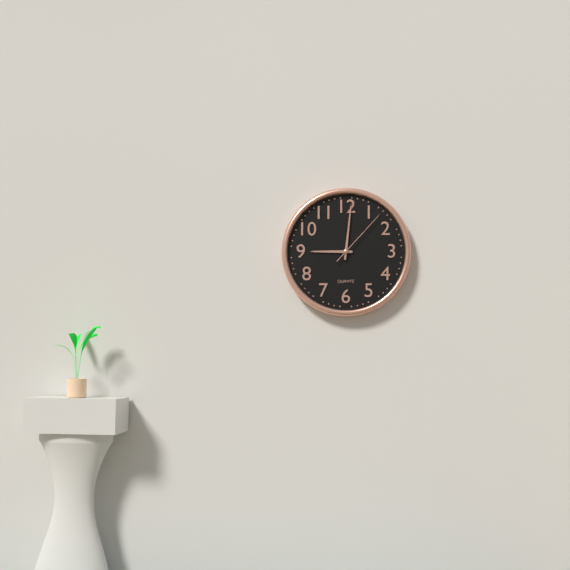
9:01:07
